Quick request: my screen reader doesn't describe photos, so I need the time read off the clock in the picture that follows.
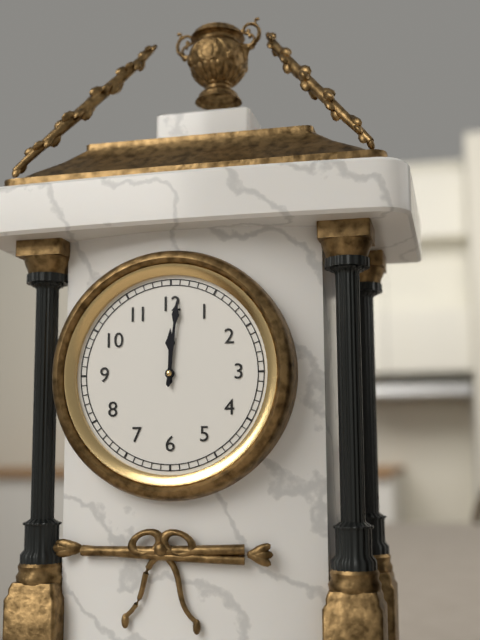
12:01
